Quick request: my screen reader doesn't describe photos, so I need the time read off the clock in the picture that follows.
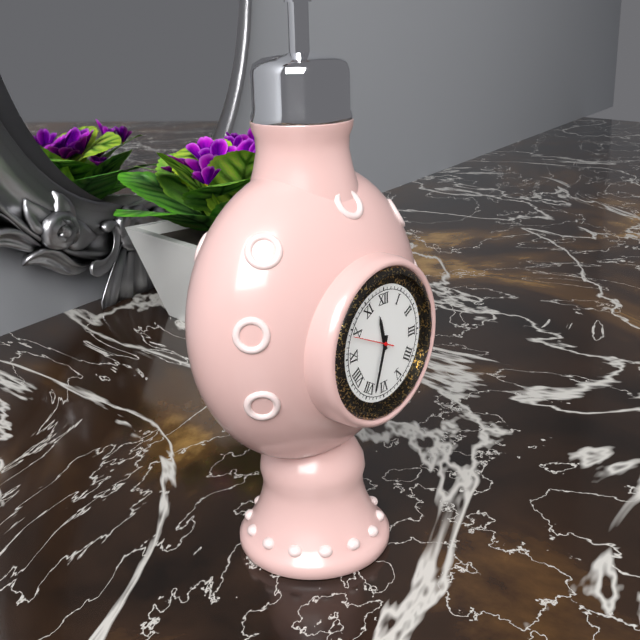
11:33
